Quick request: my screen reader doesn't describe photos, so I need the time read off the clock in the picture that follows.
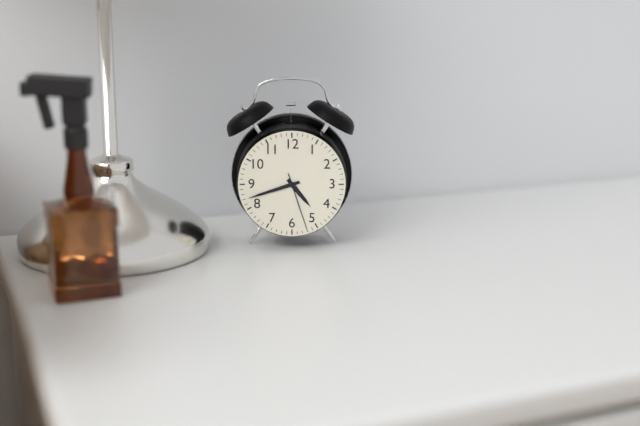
4:42:27
